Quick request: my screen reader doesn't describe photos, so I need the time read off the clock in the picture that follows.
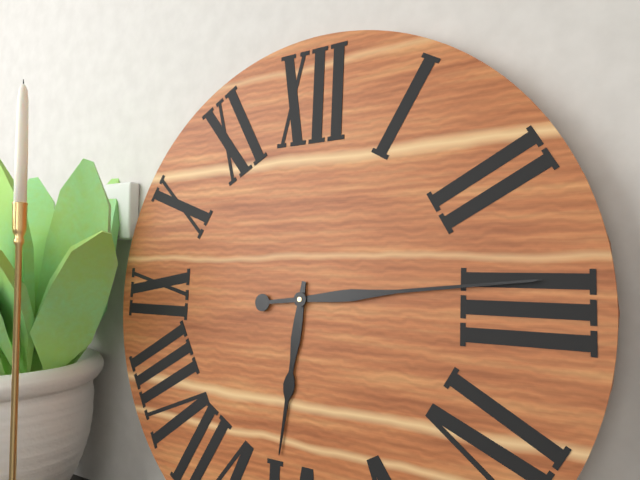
6:14
